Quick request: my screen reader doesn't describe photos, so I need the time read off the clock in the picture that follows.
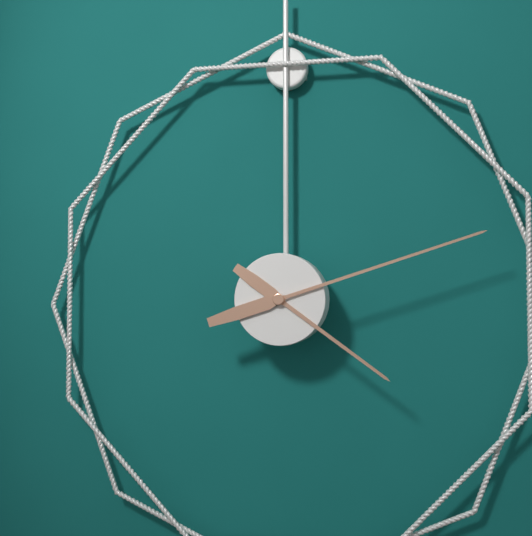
4:12
